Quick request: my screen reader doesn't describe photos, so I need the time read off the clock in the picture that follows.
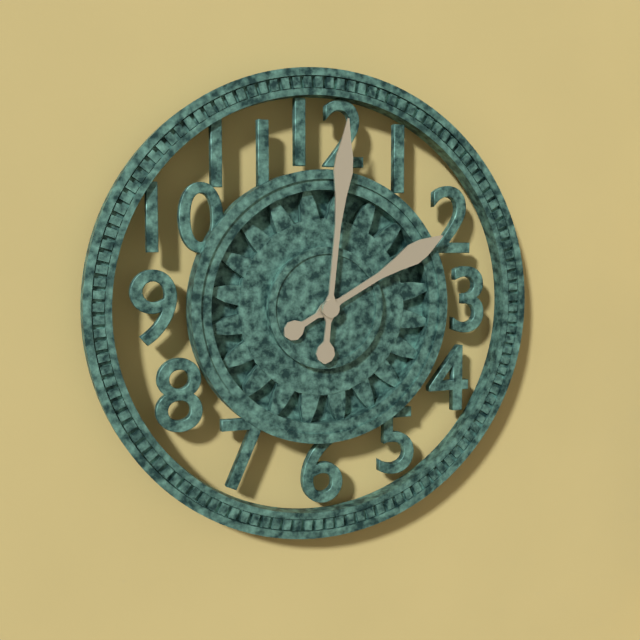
2:01
